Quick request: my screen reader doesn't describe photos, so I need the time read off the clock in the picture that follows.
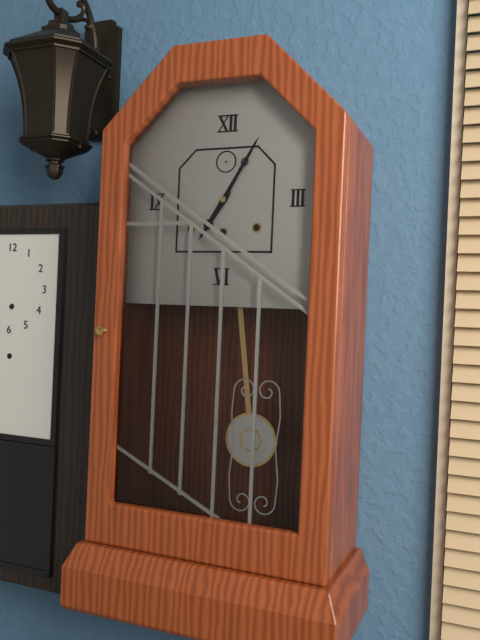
7:05
